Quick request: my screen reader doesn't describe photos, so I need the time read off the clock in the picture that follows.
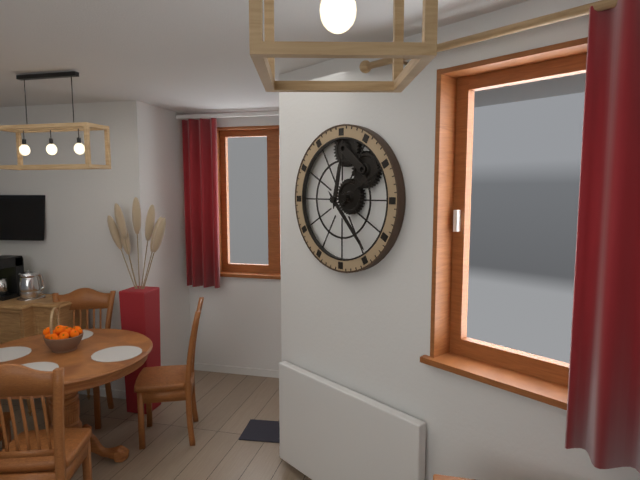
12:23
